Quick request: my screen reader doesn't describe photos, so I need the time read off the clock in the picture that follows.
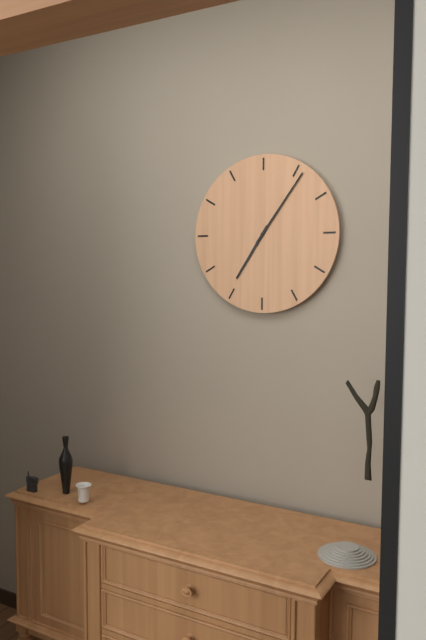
7:06
